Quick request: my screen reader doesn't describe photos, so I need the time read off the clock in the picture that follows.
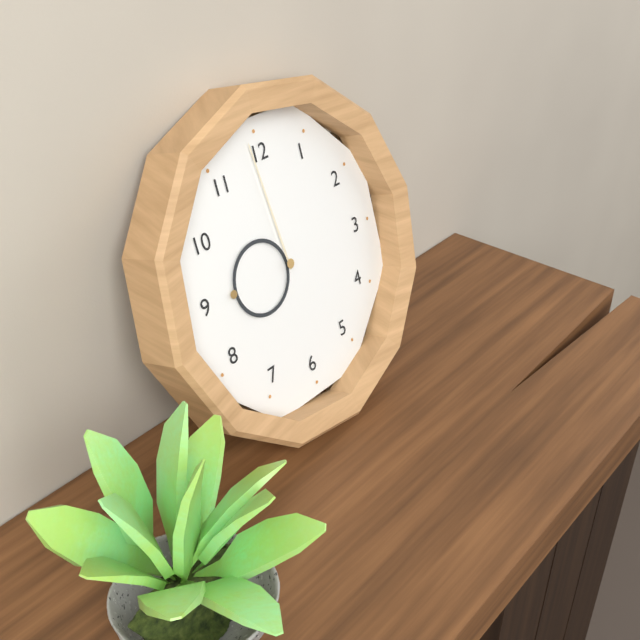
8:59
